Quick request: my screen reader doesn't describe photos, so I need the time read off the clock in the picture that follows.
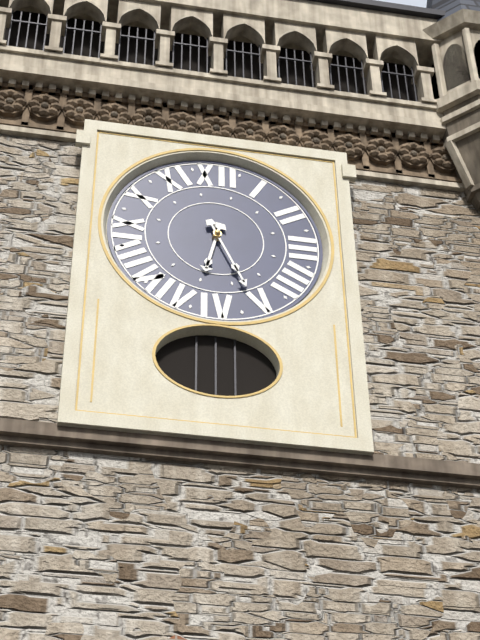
6:26
